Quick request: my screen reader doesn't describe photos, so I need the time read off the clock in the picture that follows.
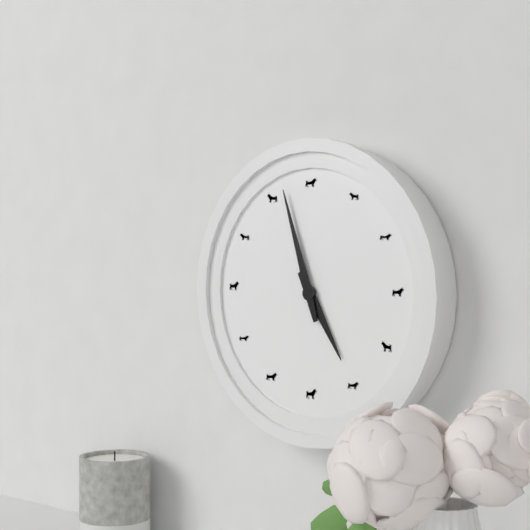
4:57
